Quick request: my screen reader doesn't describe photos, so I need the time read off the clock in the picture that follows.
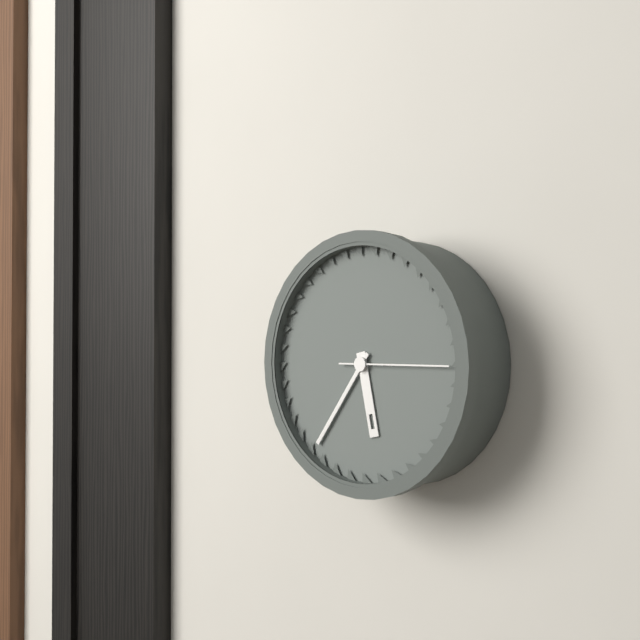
5:36:15
